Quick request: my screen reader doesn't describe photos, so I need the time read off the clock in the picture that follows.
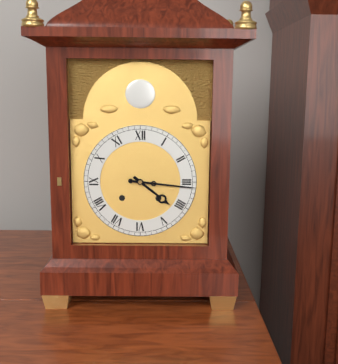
4:16
